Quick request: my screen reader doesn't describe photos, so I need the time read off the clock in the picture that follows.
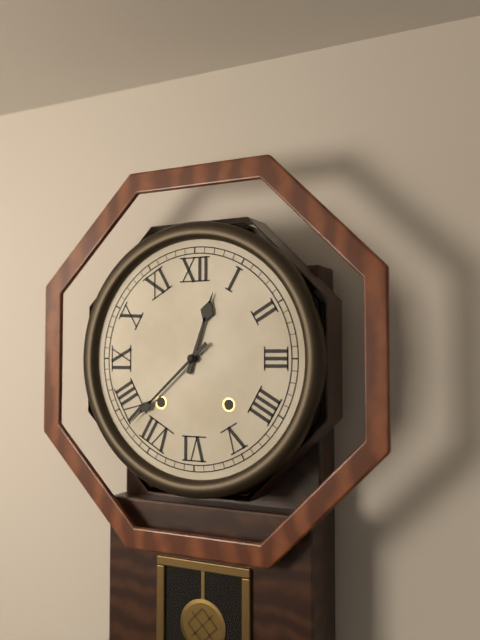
12:38
